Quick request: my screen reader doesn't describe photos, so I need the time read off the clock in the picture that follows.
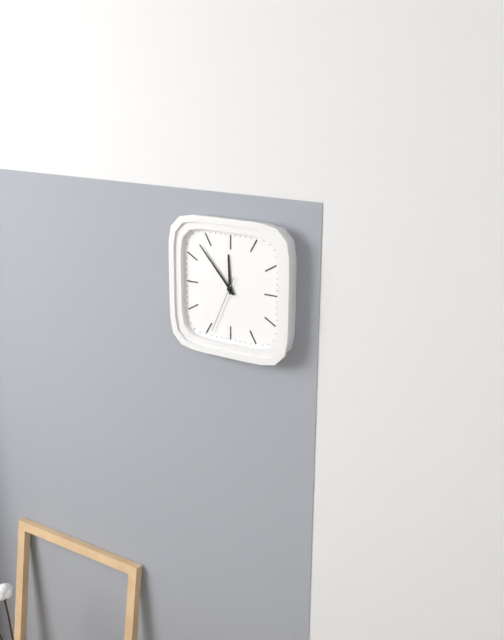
11:53:34
